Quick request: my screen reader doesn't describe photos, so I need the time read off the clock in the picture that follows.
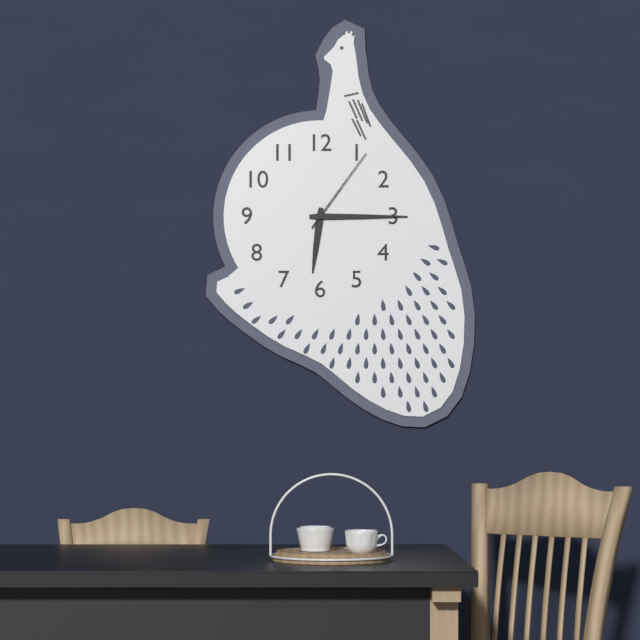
6:15:06
